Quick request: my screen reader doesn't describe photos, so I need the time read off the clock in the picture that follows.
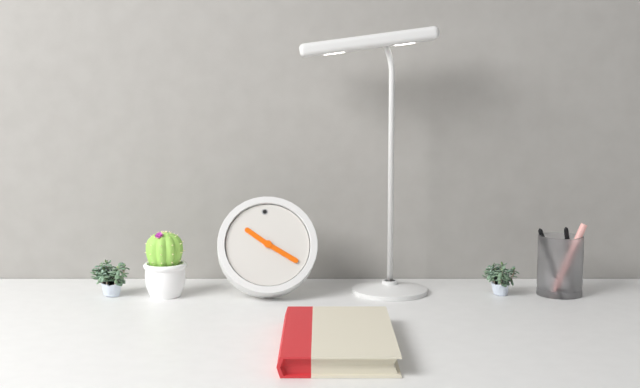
10:21
